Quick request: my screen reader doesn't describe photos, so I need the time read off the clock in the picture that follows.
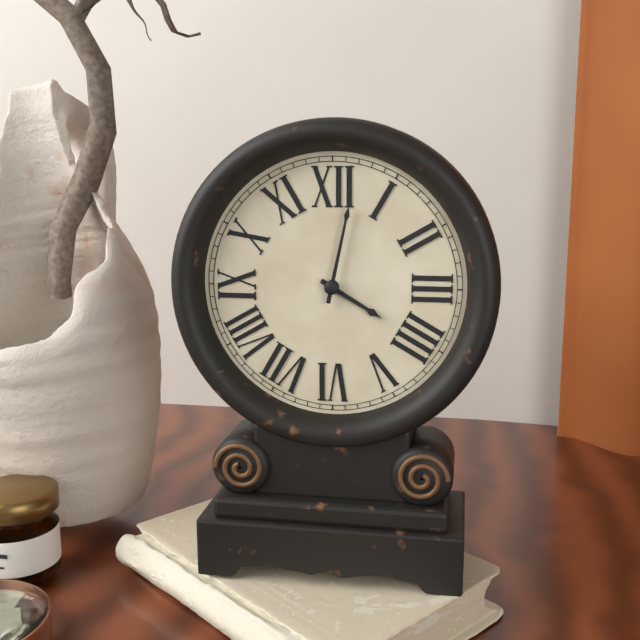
4:02
